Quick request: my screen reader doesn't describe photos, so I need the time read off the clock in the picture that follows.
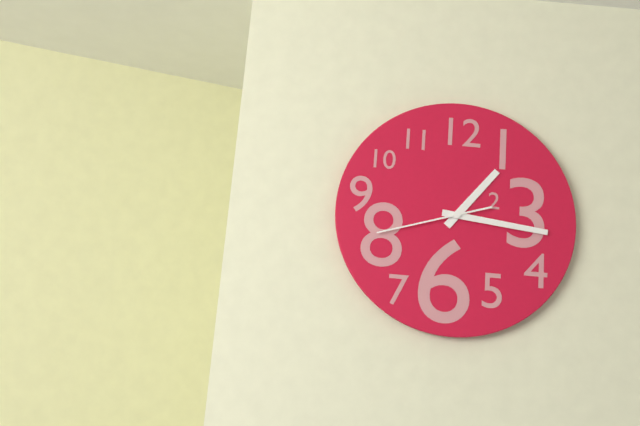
1:16:42
